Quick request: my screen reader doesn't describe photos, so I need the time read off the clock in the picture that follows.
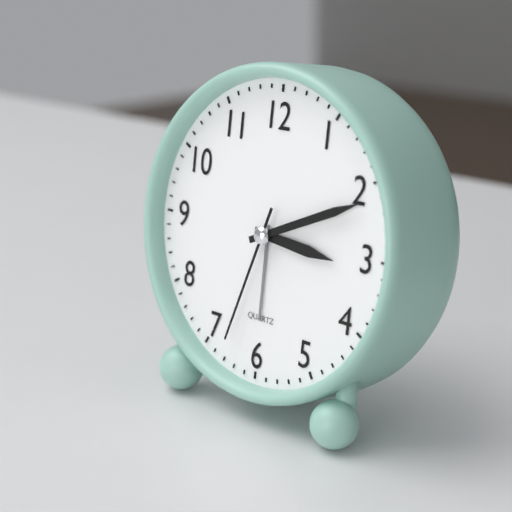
3:11:33
